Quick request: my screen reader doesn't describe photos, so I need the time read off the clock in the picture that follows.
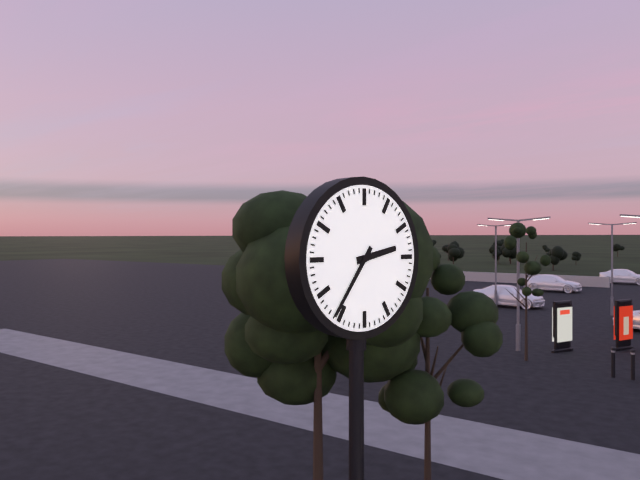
2:36
